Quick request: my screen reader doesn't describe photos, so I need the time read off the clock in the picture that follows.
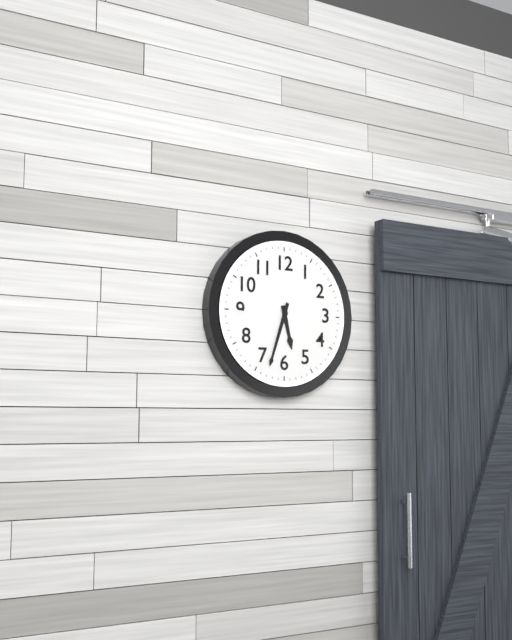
5:33
